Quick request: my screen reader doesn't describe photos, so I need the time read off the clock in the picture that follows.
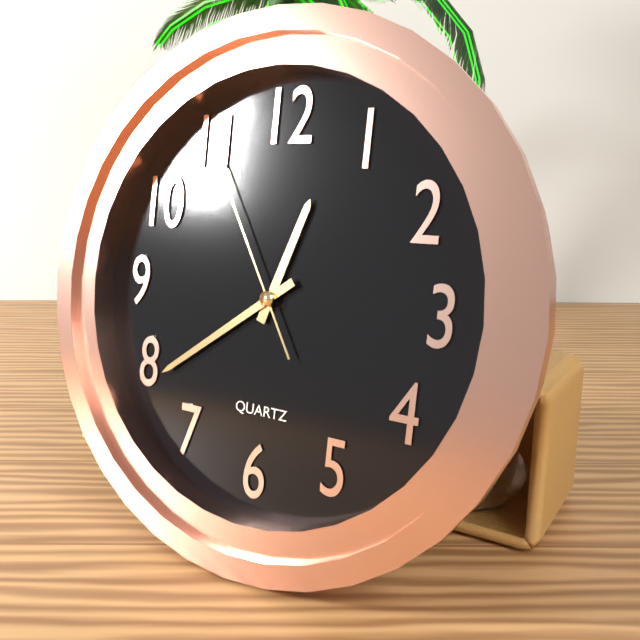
12:39:55
